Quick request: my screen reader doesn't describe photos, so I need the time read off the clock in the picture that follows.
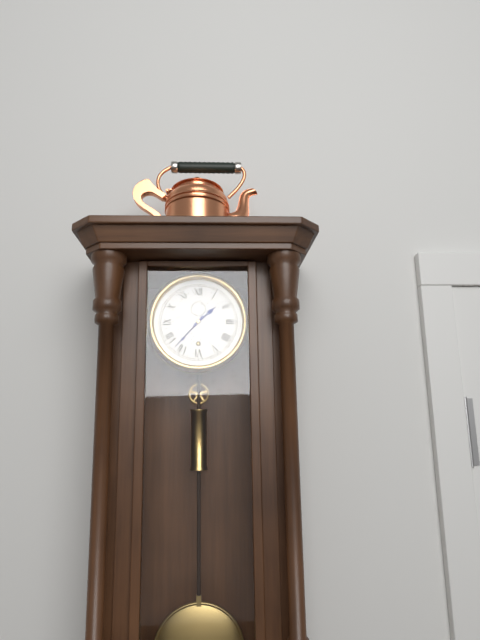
1:37
